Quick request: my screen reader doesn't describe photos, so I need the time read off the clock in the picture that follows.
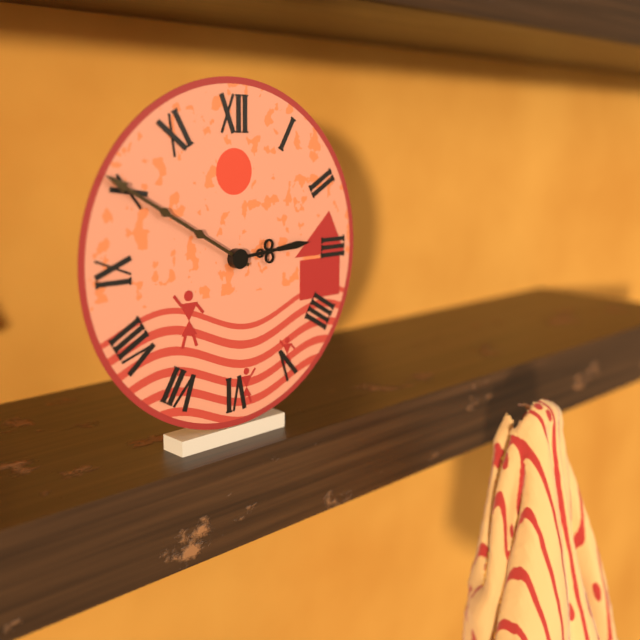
2:50
